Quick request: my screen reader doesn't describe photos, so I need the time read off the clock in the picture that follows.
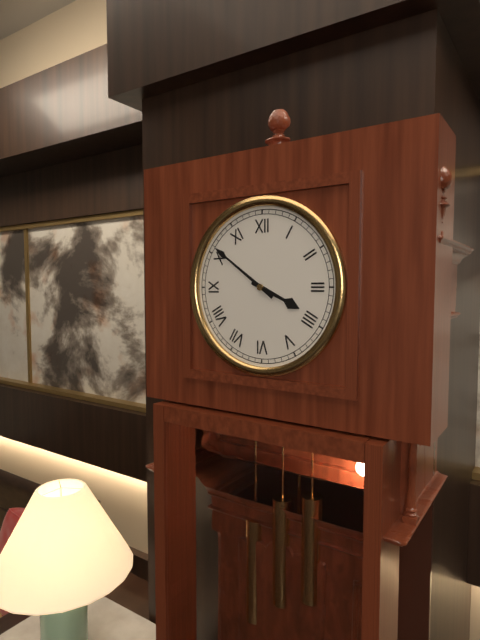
3:51
